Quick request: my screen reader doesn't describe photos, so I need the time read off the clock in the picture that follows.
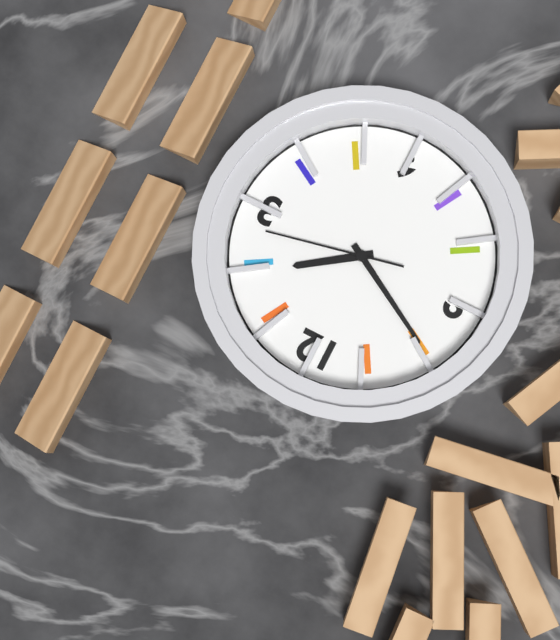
1:50:13
